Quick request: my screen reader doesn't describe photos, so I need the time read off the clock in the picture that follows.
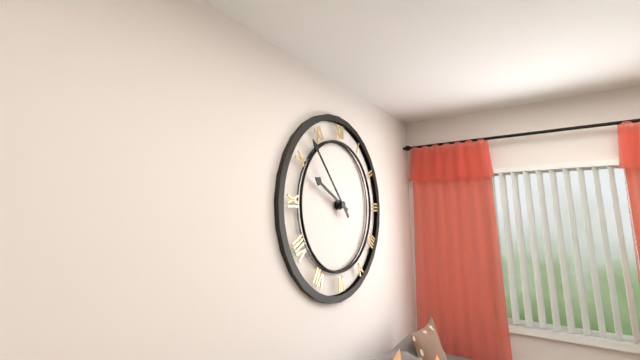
9:53
